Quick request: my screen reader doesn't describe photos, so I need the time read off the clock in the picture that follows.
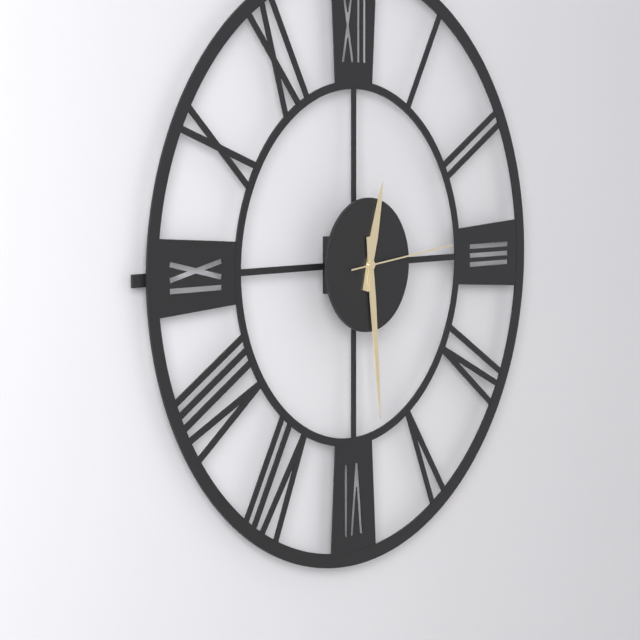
12:29:14
